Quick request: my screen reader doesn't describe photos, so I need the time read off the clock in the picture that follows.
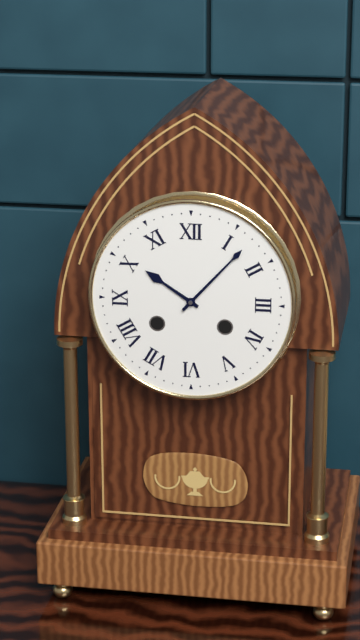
10:07
